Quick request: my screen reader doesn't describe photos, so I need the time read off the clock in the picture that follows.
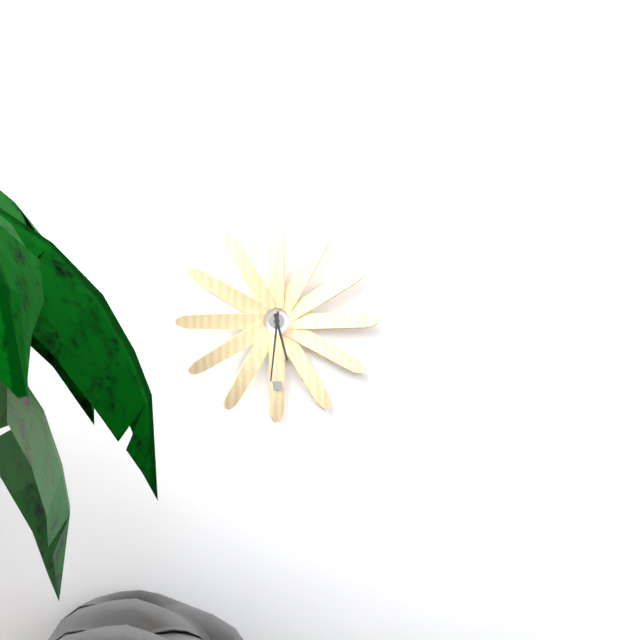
5:31
